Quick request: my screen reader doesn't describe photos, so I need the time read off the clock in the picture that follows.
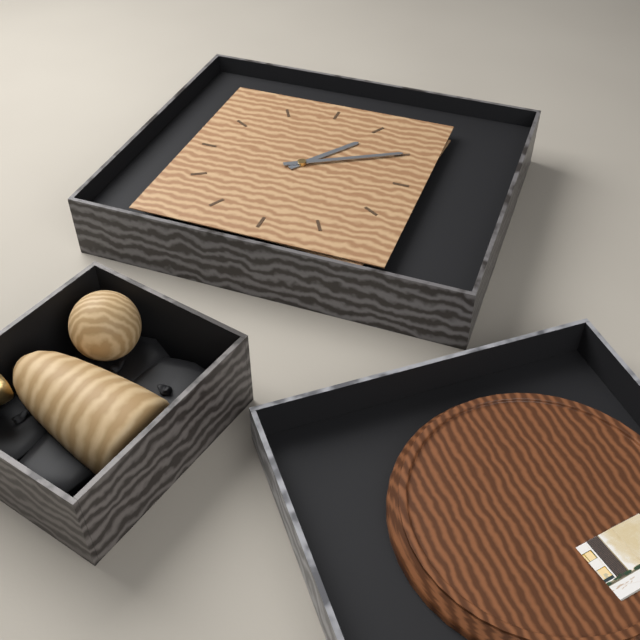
1:10
